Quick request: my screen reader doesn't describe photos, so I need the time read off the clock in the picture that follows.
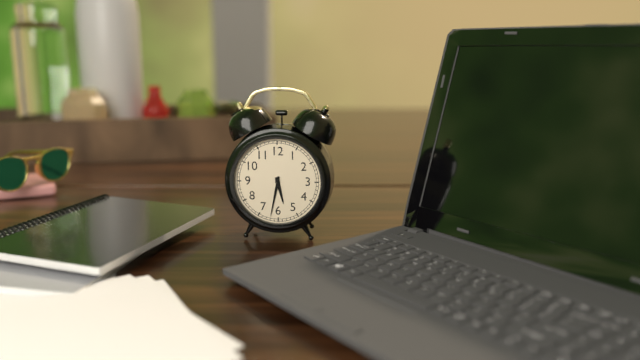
5:32
